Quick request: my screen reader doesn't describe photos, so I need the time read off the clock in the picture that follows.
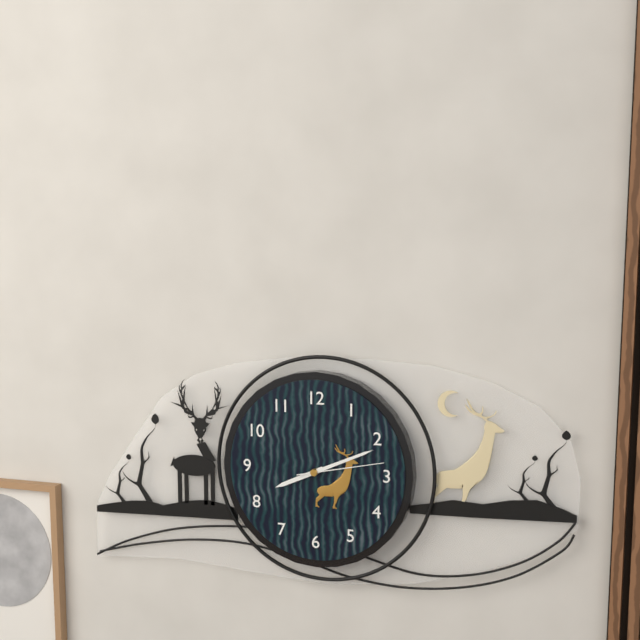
8:11:13
